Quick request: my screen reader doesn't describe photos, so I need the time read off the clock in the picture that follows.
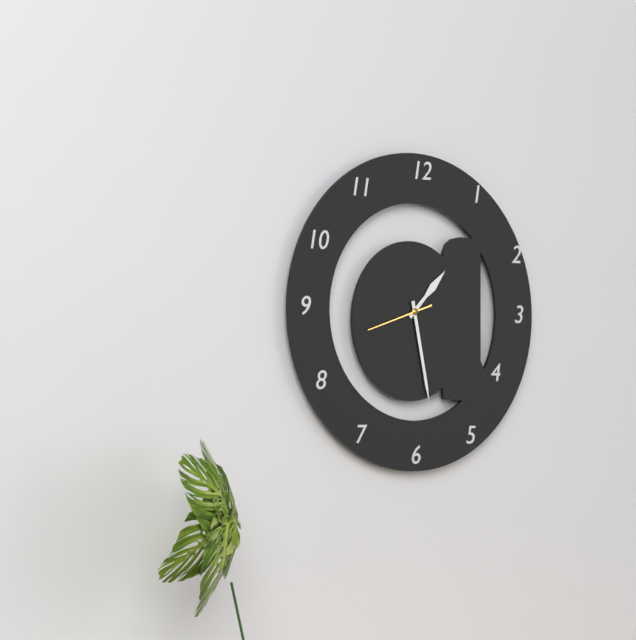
1:28:42
